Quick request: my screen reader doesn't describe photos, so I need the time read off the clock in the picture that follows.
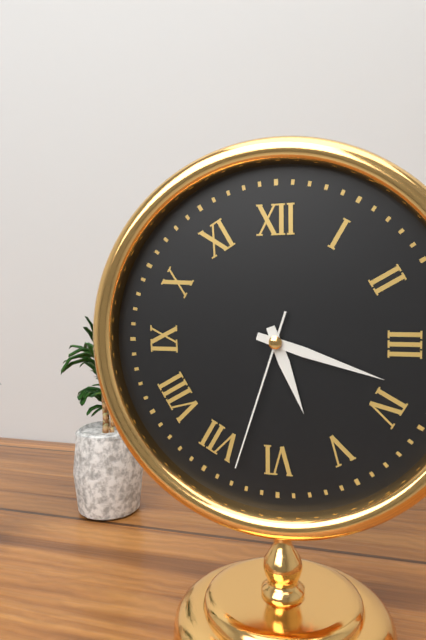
5:18:33
